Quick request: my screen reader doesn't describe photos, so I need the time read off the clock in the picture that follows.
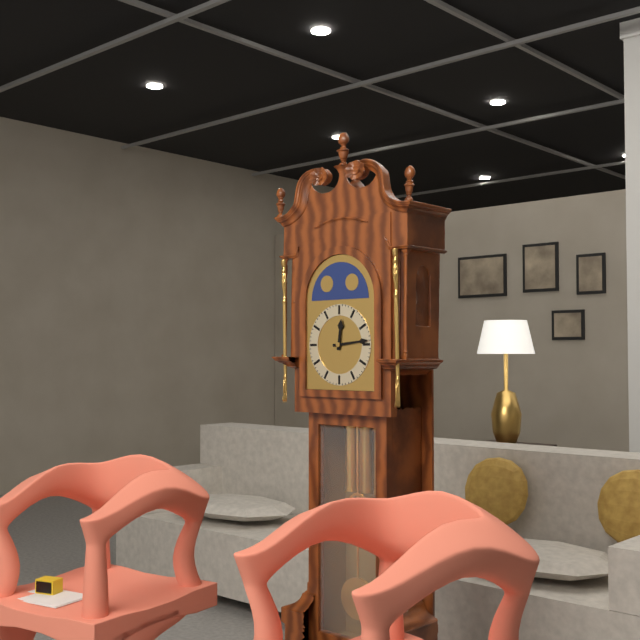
12:14
